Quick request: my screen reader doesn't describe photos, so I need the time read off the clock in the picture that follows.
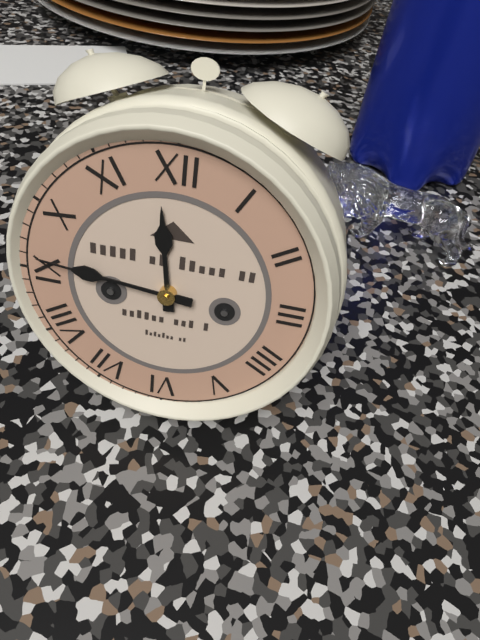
11:46
